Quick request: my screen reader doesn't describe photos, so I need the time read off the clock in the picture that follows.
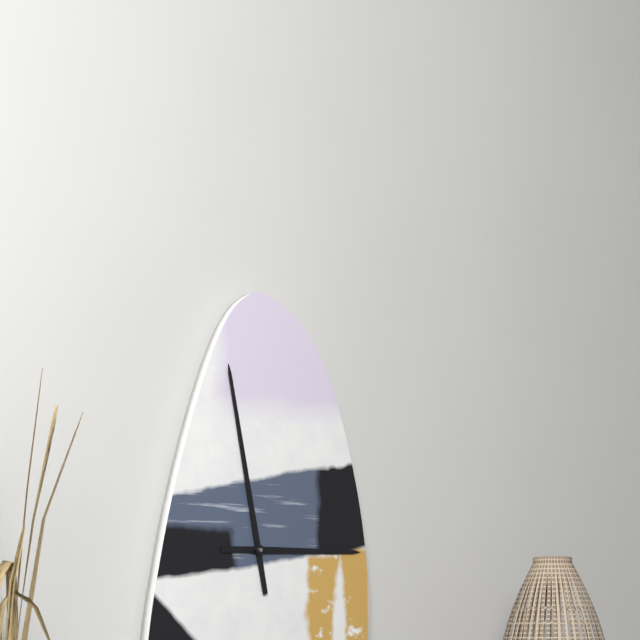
2:58
